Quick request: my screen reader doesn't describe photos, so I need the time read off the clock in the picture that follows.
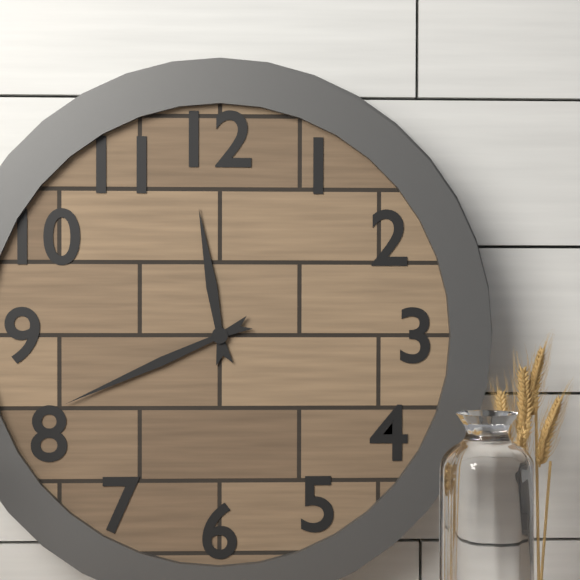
11:41
